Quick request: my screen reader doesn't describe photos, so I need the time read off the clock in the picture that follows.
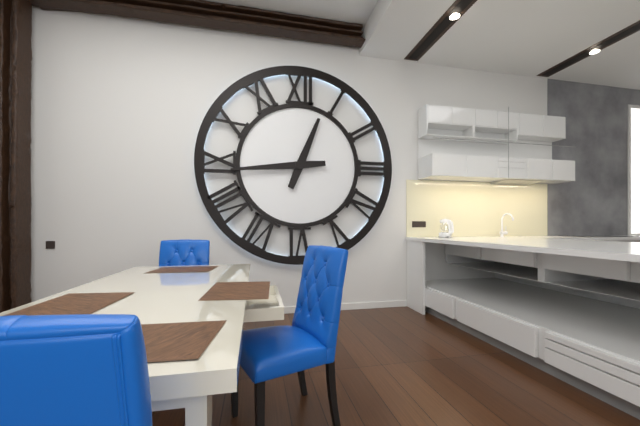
12:44
